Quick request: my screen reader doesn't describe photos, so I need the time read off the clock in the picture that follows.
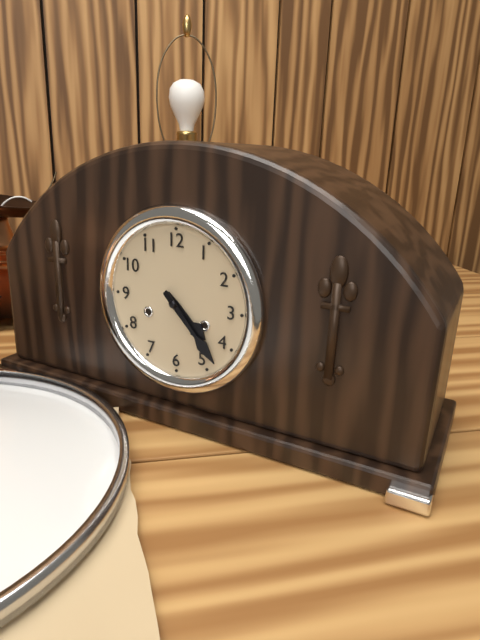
4:23
